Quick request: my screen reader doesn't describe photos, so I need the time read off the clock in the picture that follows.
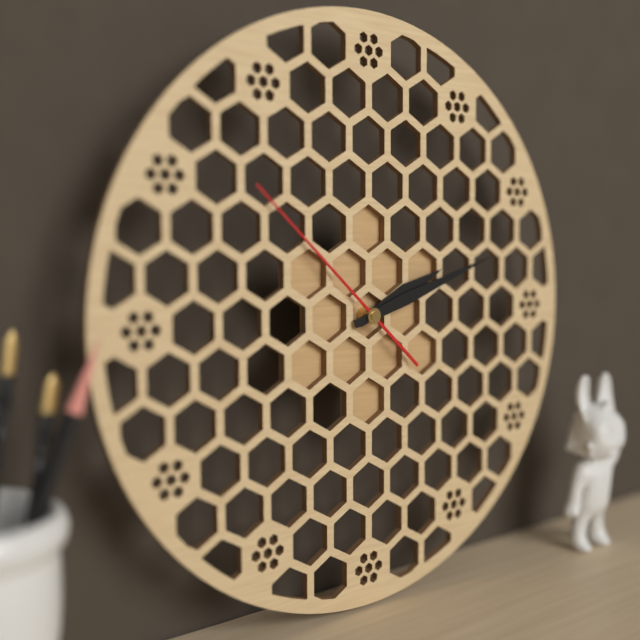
2:12:52
